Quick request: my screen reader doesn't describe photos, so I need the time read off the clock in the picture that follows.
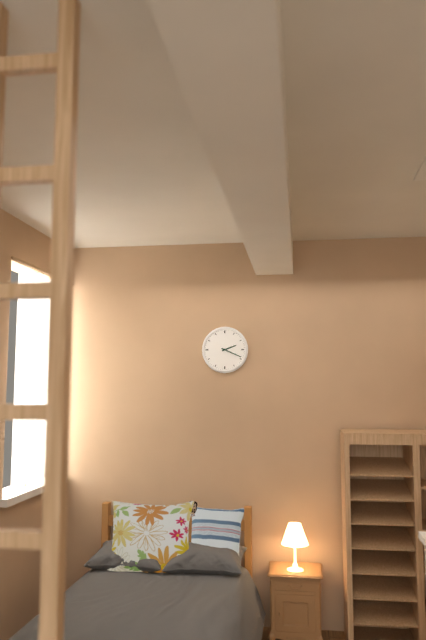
2:19
